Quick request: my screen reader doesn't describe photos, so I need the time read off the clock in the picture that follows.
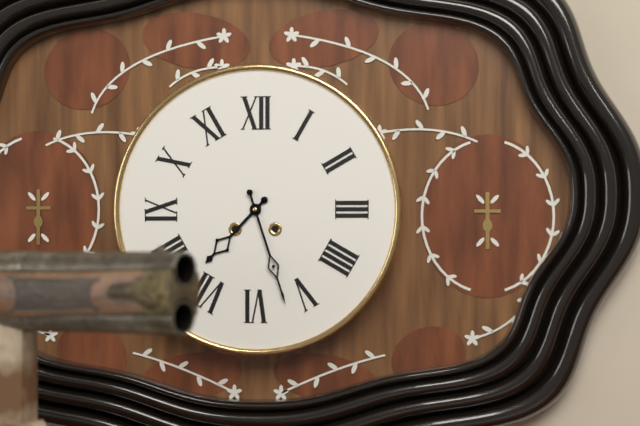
7:27
